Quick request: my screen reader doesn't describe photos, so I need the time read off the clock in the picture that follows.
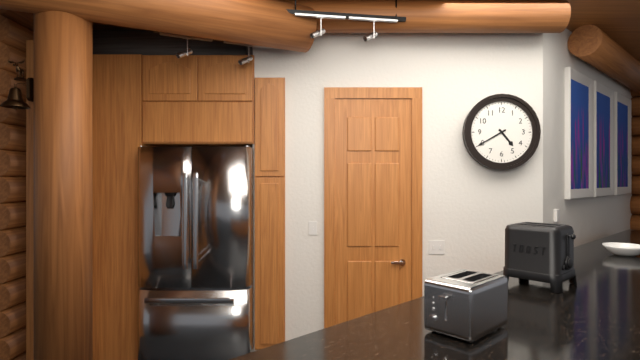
4:40
